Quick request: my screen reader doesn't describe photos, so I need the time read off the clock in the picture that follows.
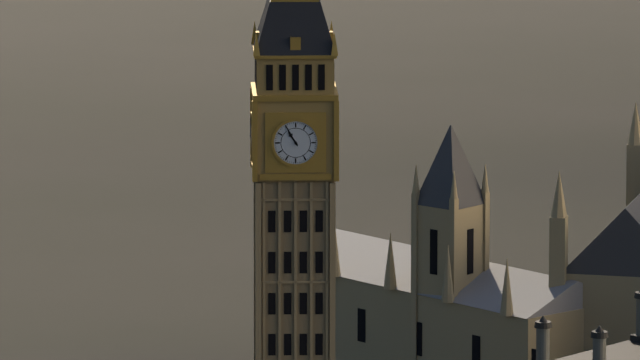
10:55
